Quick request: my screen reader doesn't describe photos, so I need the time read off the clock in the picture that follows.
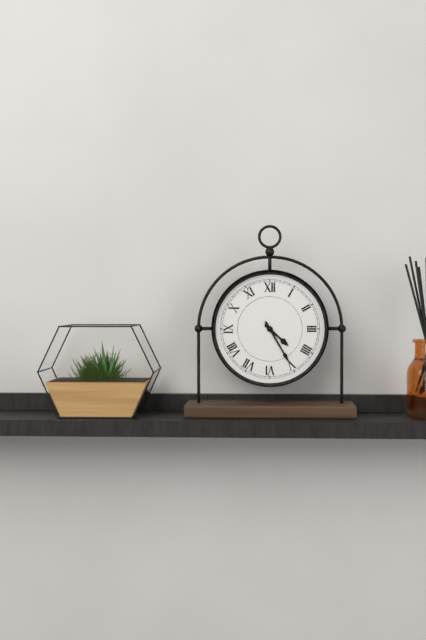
4:25
